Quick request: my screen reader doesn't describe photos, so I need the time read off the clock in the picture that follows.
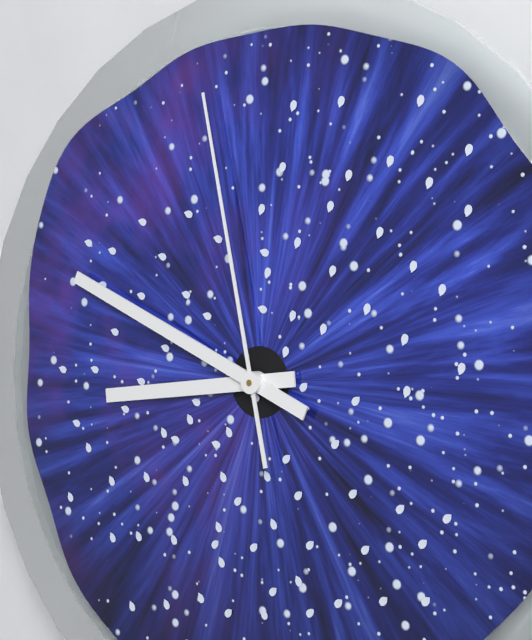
8:49:58
